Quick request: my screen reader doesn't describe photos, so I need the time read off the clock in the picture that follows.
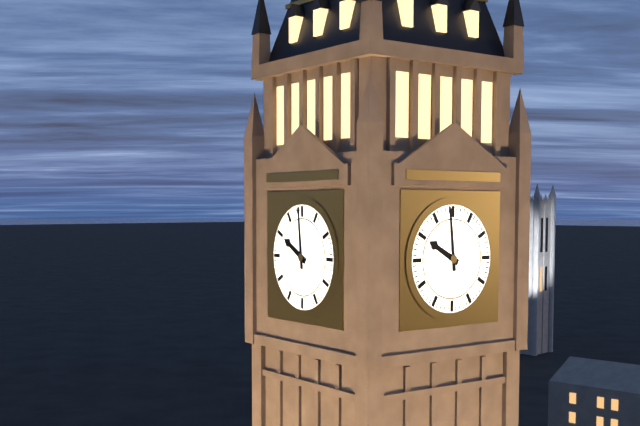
9:59
